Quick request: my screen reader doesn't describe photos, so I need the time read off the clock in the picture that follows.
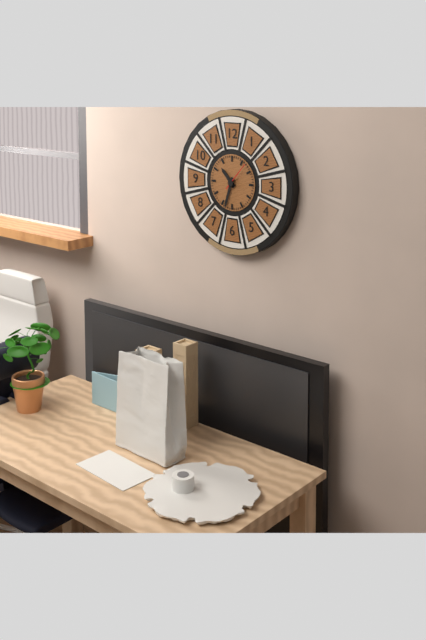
10:33
